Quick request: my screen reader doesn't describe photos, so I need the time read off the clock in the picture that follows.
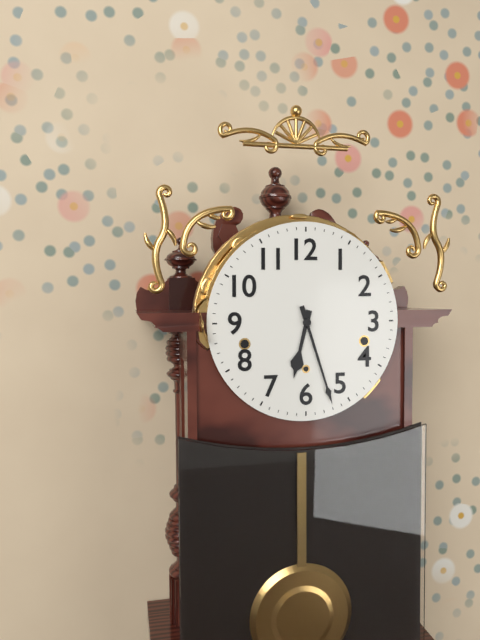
6:27
